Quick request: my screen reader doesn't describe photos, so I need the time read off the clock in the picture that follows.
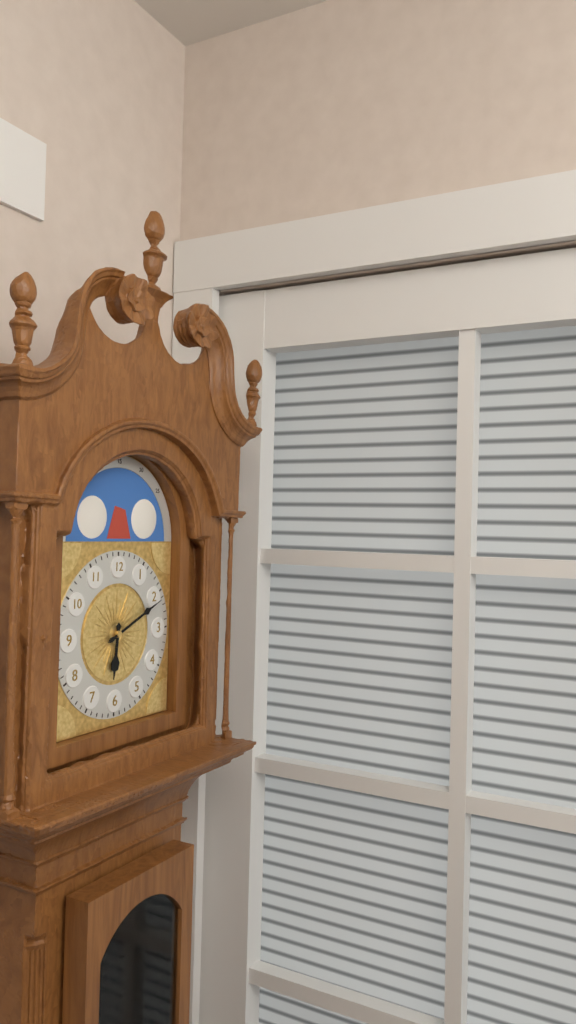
6:11
